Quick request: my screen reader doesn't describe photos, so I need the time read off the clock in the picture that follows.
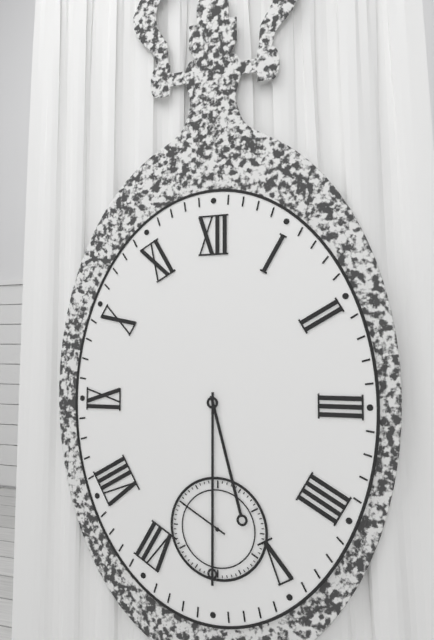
5:30:50
